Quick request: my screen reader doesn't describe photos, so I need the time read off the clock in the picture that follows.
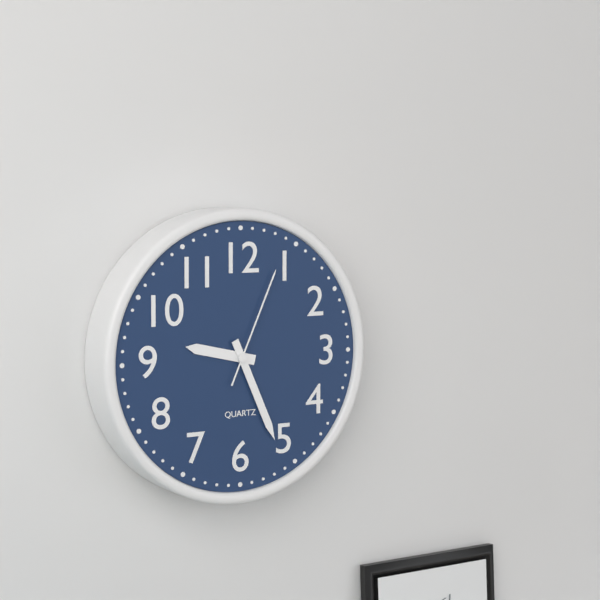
9:26:04
